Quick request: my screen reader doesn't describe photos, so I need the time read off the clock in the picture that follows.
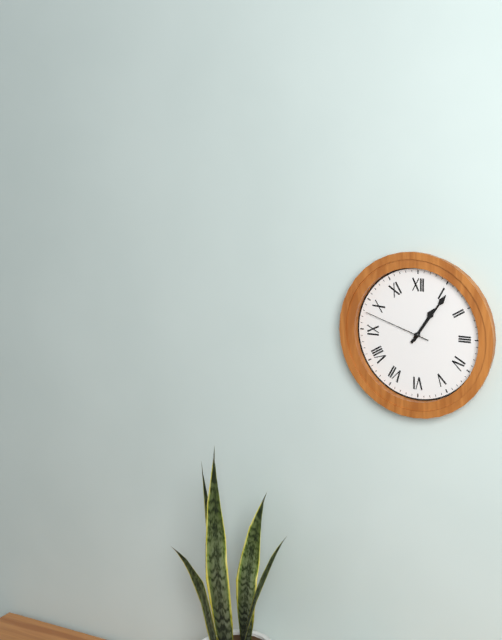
1:06:48
